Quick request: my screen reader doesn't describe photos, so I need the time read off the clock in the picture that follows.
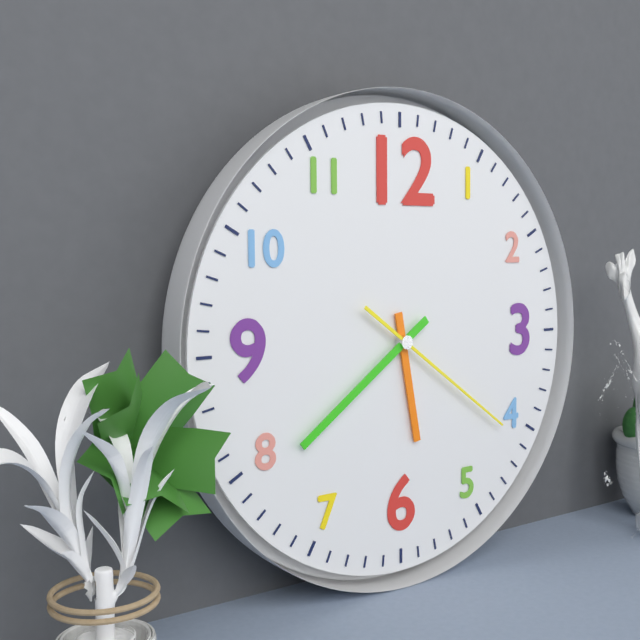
5:39:21
